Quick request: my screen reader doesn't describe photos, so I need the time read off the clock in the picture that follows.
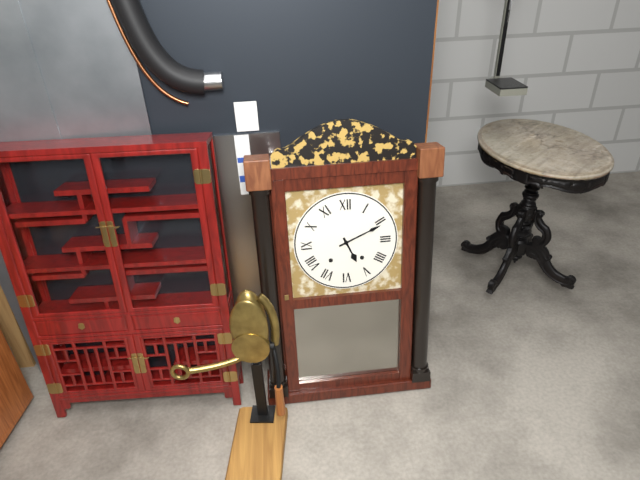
5:11
